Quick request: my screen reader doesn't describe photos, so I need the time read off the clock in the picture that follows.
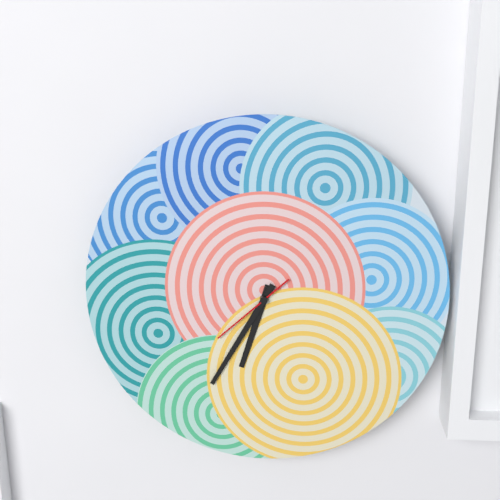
6:35:38
